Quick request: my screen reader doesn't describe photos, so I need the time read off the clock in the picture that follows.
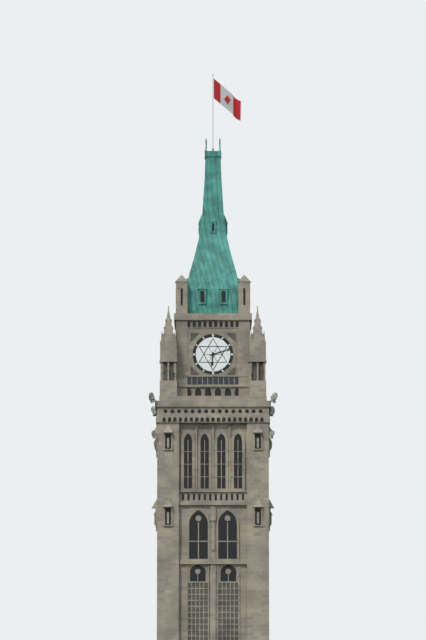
6:12
